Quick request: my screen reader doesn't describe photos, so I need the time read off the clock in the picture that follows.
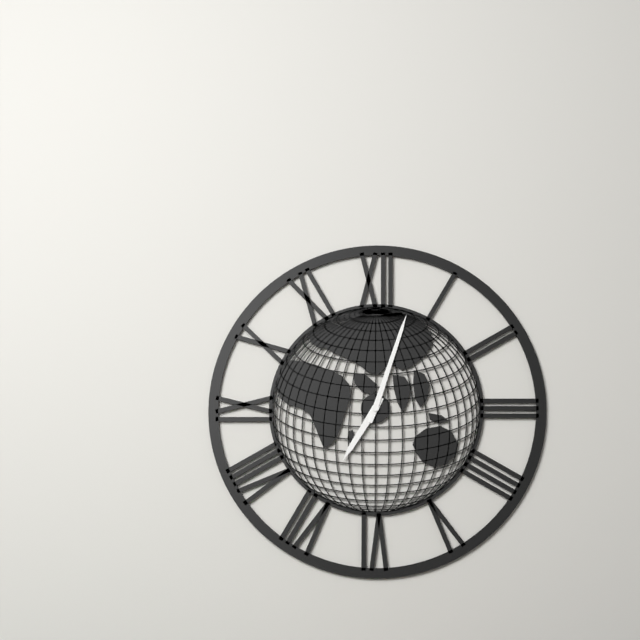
7:03
